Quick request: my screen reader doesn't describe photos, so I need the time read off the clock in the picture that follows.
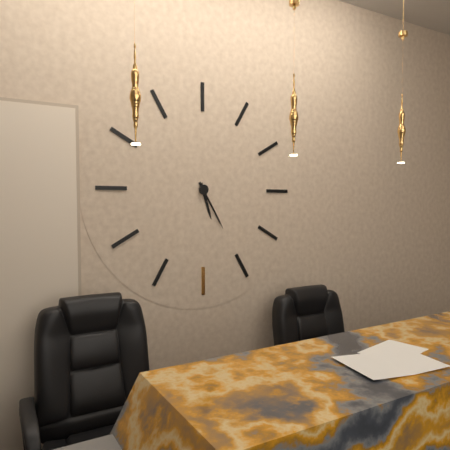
5:25
